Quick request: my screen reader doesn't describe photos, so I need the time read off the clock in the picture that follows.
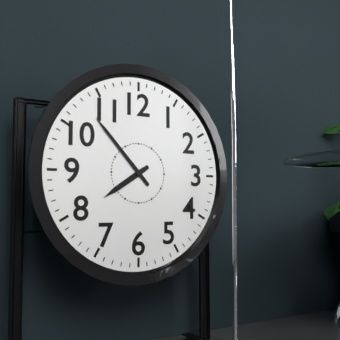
7:53
